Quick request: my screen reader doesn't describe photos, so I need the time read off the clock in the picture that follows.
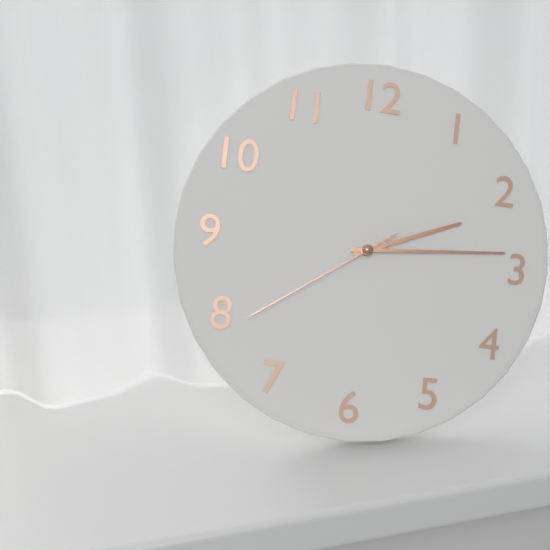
2:14:39
